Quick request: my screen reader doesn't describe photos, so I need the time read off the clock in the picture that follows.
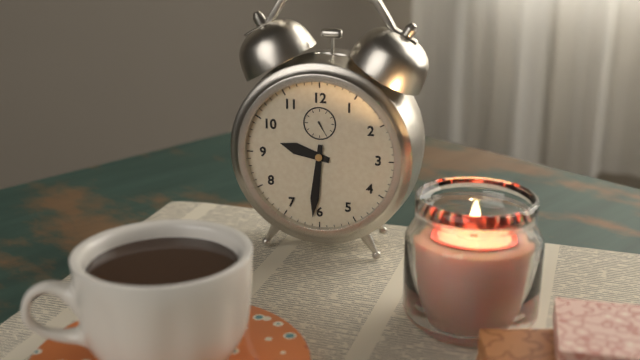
9:31
